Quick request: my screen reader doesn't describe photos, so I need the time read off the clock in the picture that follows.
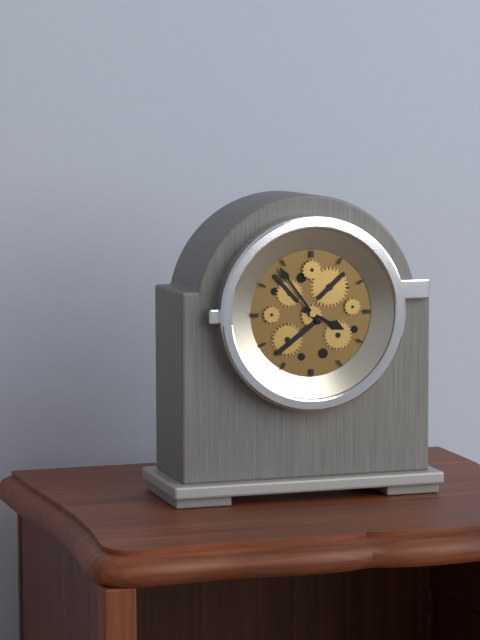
3:54
